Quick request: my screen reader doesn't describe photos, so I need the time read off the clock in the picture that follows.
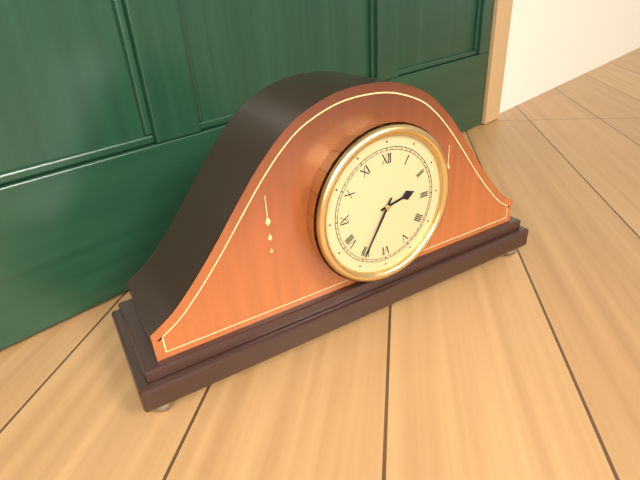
2:35
